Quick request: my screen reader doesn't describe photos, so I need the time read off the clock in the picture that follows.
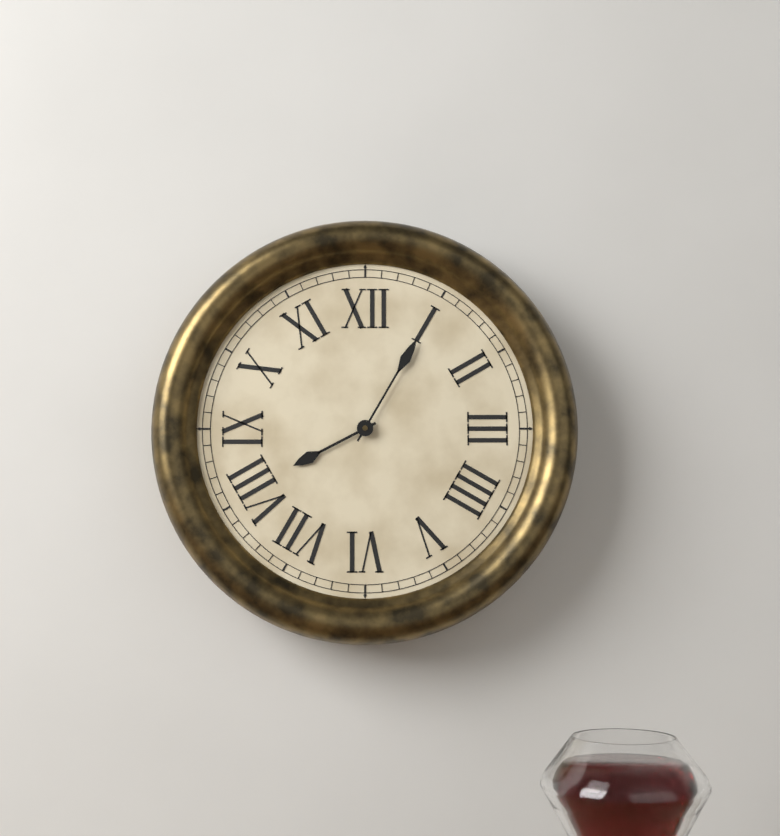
8:05
